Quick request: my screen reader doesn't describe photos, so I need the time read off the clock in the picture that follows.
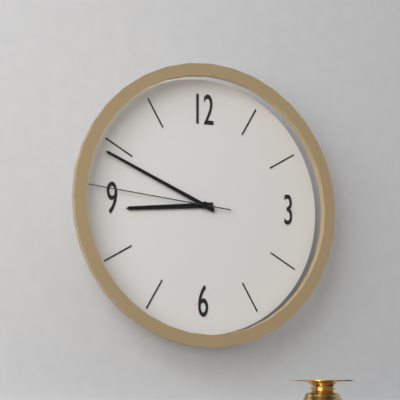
8:49:46
